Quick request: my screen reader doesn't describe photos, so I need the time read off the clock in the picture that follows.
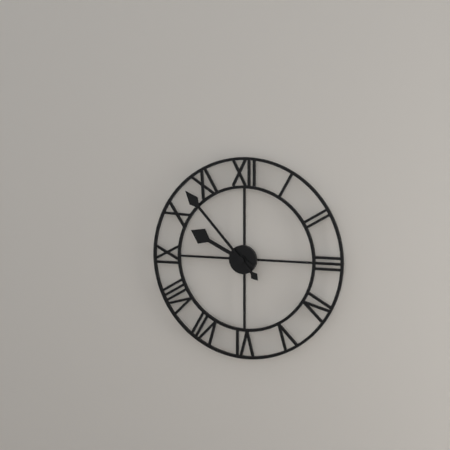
9:53
